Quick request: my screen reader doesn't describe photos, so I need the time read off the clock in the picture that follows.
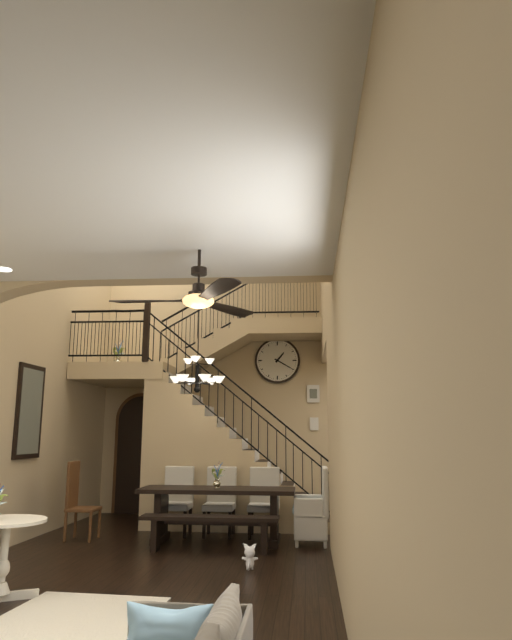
1:20
